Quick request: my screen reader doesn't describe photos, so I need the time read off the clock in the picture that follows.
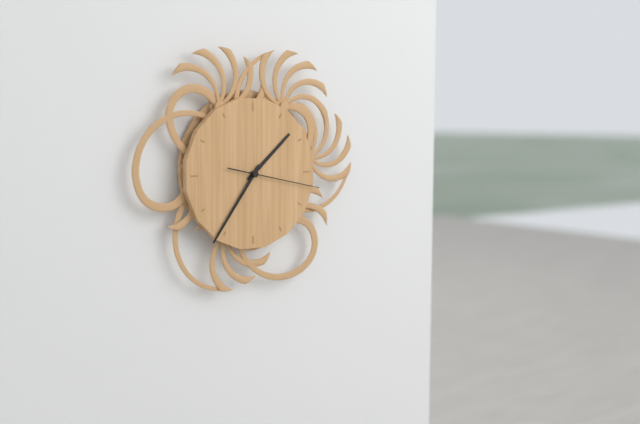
1:36:17
